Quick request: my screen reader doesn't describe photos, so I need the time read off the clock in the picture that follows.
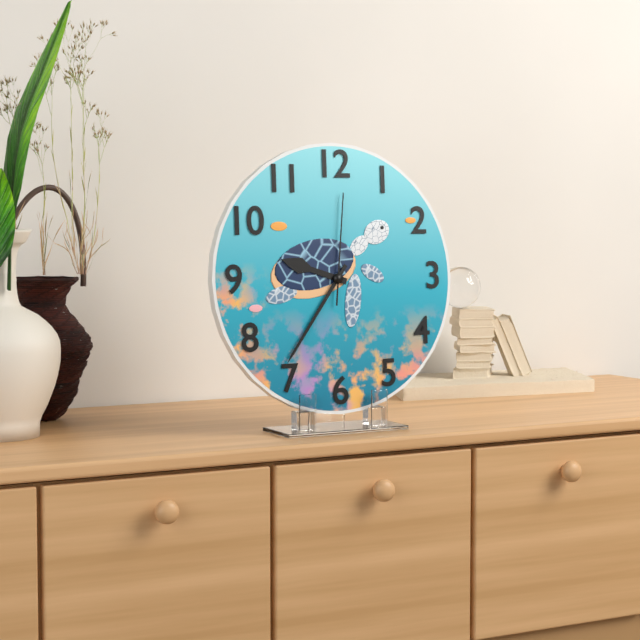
9:36:01
